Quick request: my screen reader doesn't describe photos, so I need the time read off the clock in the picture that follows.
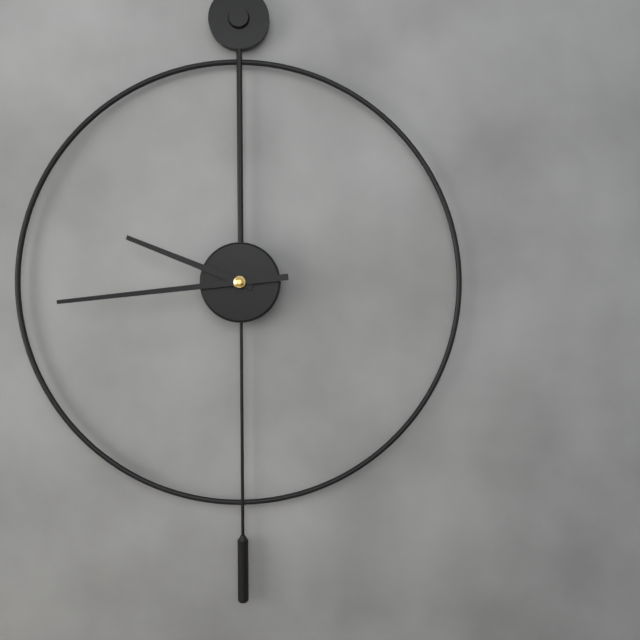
9:44
